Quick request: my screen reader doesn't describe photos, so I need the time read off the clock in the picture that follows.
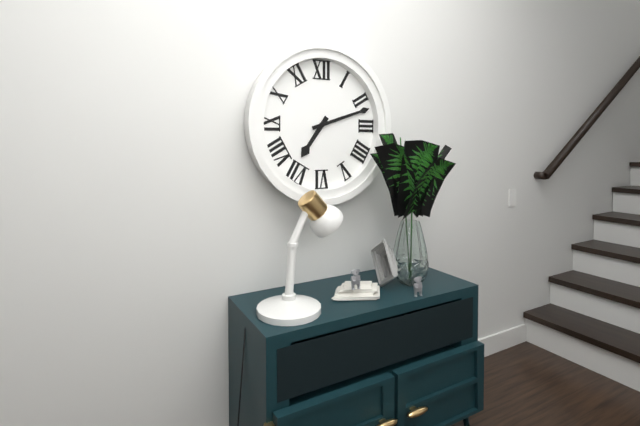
7:12
